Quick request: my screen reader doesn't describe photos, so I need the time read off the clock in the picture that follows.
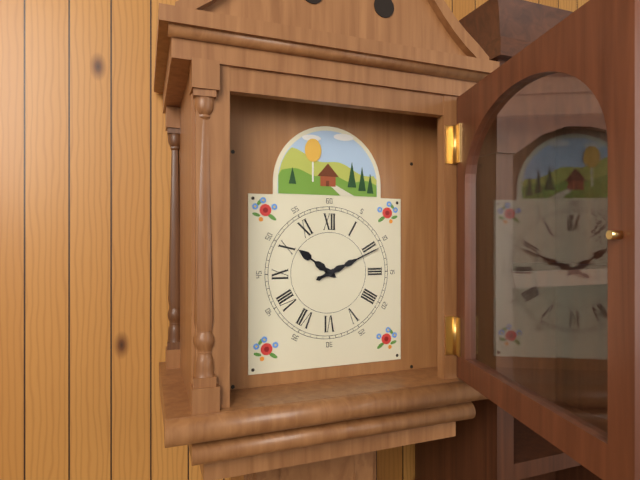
10:11
